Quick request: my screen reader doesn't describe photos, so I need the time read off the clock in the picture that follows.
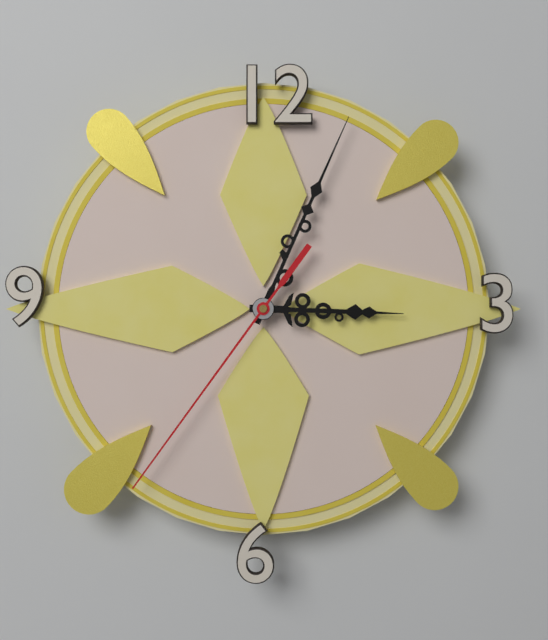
3:04:36
